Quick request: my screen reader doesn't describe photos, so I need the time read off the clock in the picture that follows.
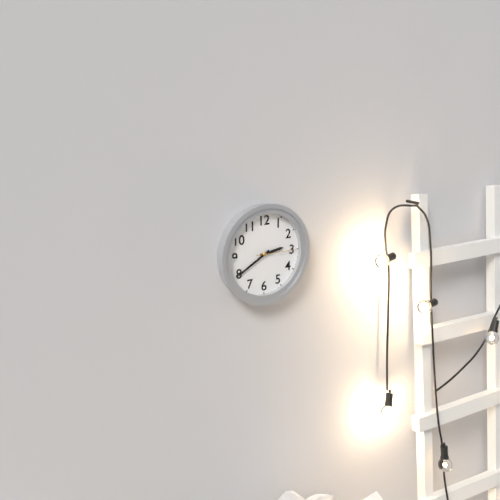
2:40
